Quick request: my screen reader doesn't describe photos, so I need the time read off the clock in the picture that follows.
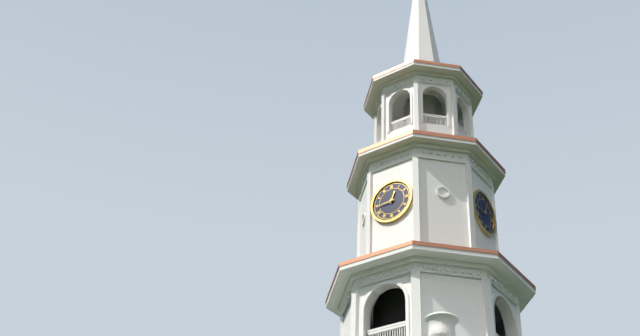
12:44
